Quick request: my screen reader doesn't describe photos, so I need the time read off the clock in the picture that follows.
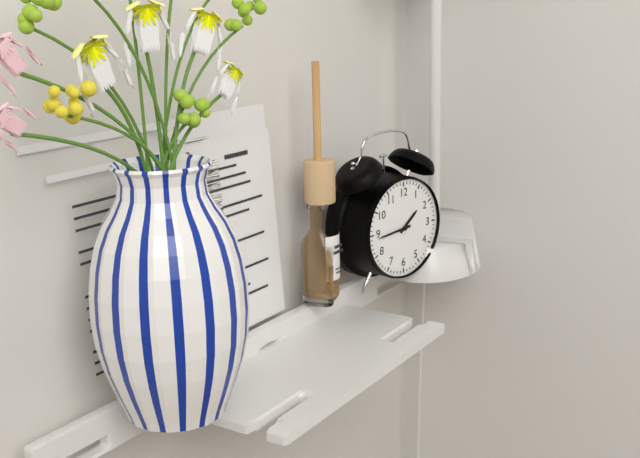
1:44
